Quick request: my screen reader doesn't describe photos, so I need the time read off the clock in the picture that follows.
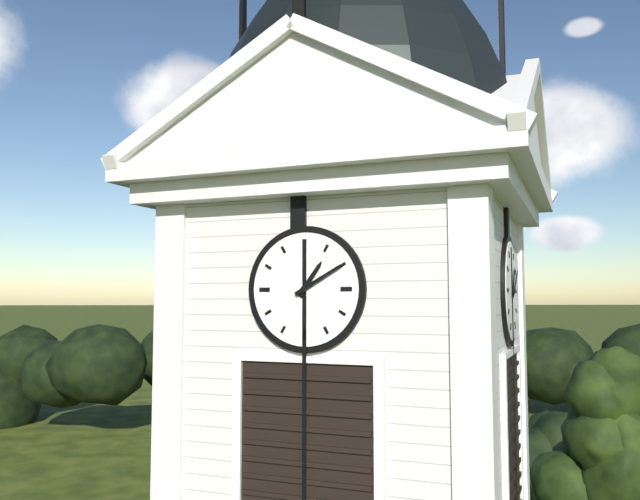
1:10
